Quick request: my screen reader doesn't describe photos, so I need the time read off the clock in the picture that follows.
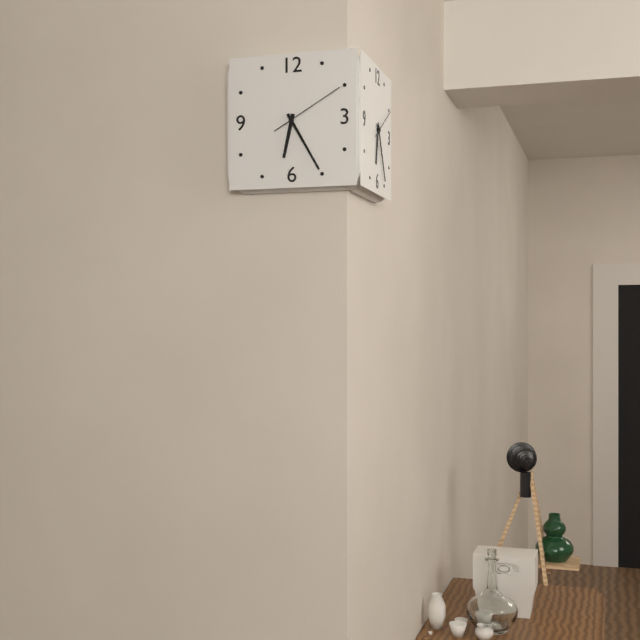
6:25:10
